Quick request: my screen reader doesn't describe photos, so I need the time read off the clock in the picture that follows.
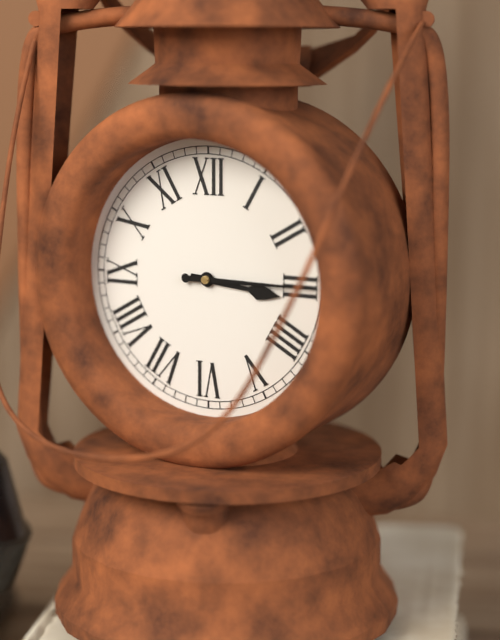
3:15
